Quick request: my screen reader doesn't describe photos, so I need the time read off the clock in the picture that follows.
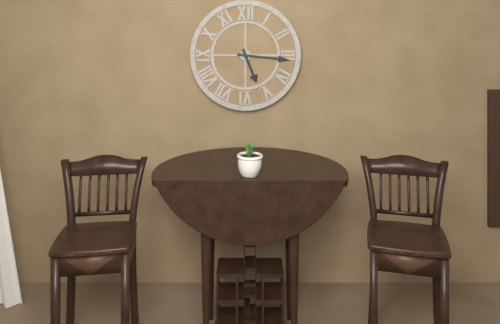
5:16
